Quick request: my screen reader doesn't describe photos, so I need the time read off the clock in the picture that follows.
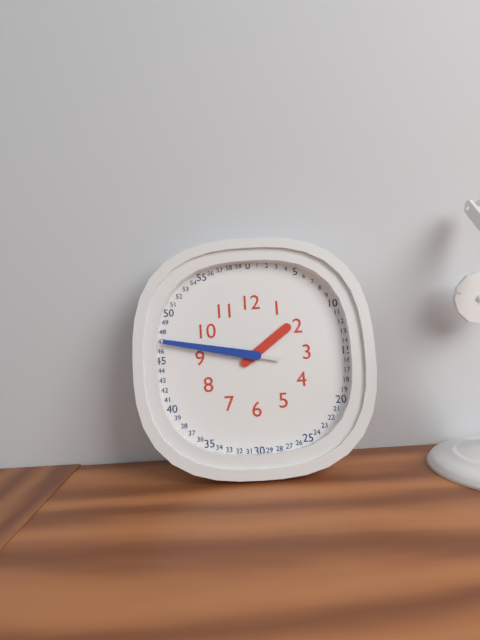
1:47:47
